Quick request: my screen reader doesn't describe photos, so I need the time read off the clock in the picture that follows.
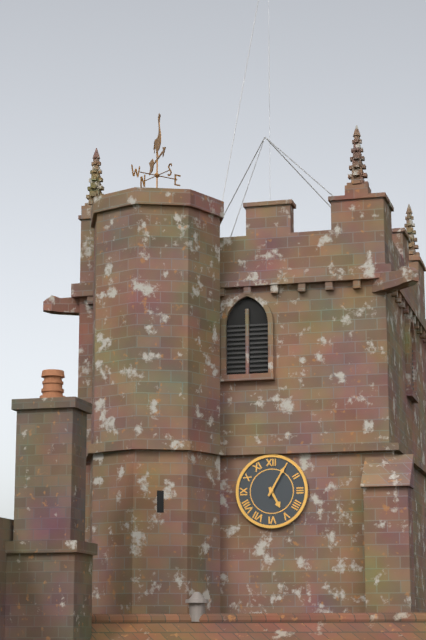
5:05
